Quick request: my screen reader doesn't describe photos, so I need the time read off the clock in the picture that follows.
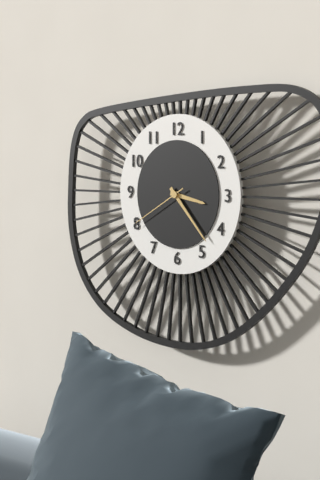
3:23:40
